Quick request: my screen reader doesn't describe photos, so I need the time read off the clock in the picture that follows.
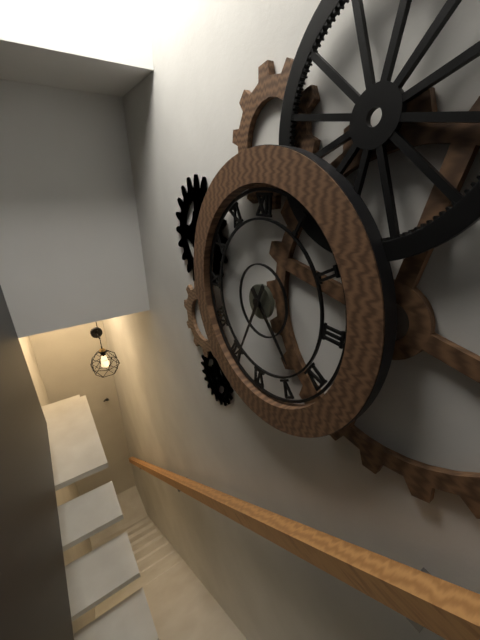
4:34
